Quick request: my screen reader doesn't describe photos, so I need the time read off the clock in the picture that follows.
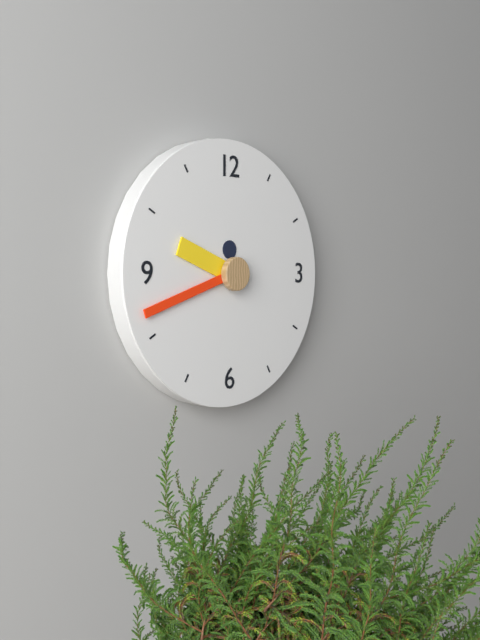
9:42
